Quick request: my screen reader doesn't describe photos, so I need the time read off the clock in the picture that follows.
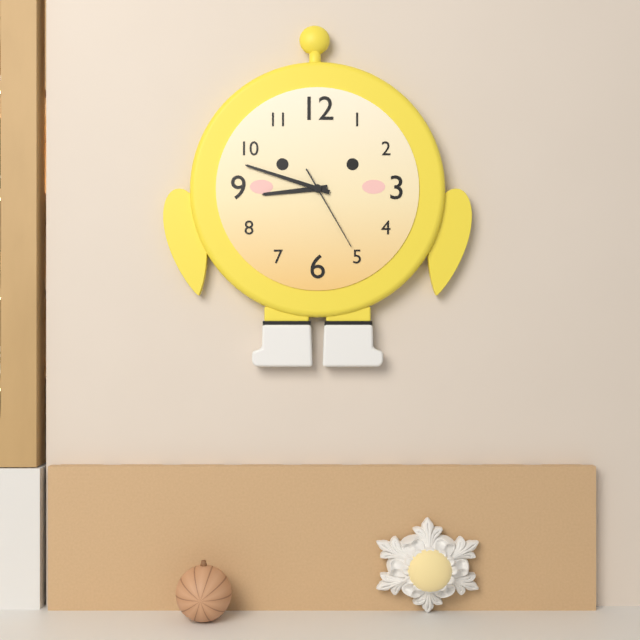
8:48:25
